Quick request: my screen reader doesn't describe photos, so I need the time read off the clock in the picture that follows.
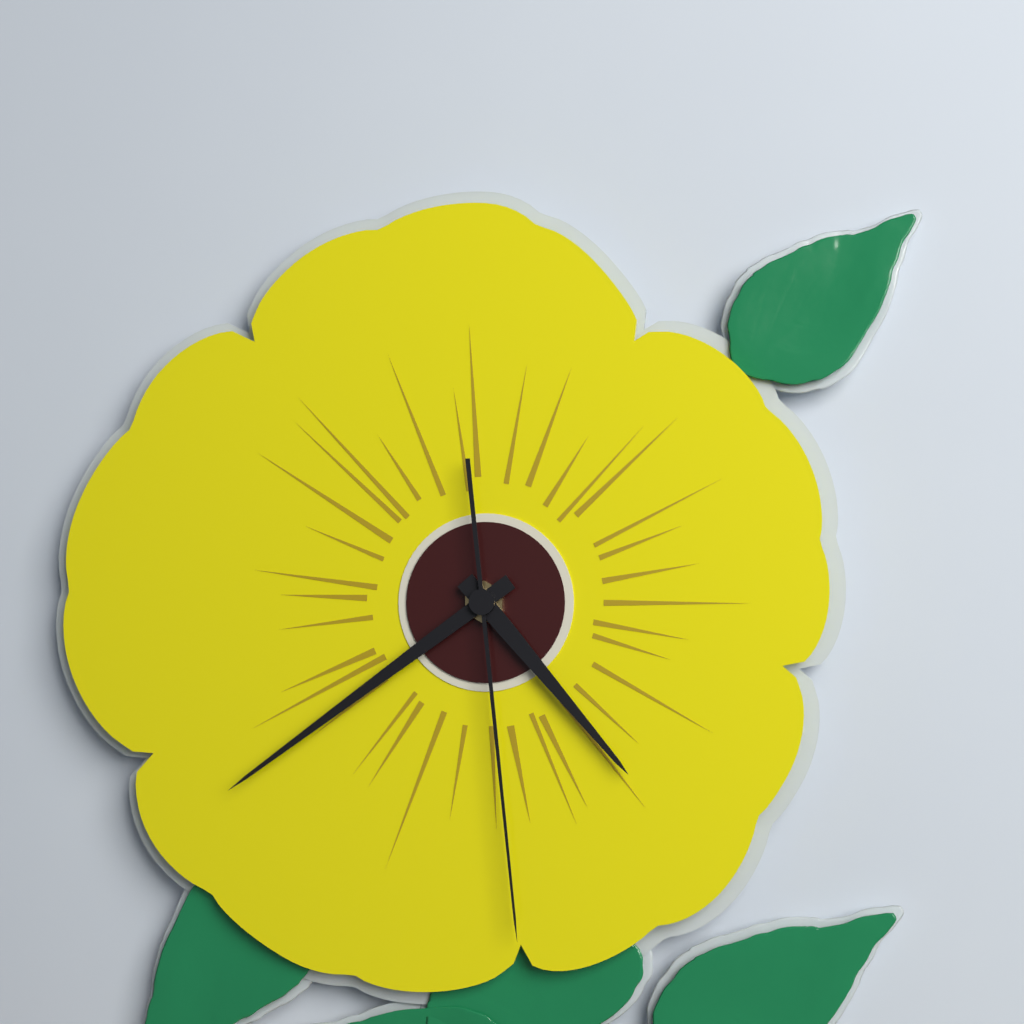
4:39:29
